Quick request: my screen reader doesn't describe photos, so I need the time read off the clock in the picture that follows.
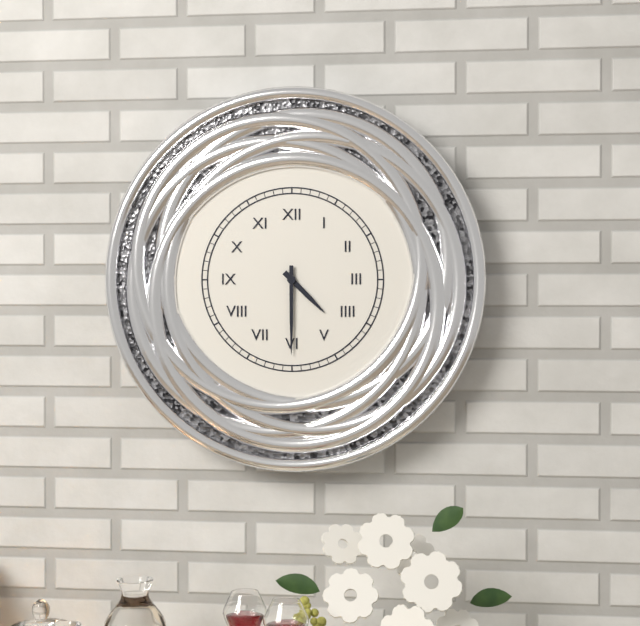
4:30
